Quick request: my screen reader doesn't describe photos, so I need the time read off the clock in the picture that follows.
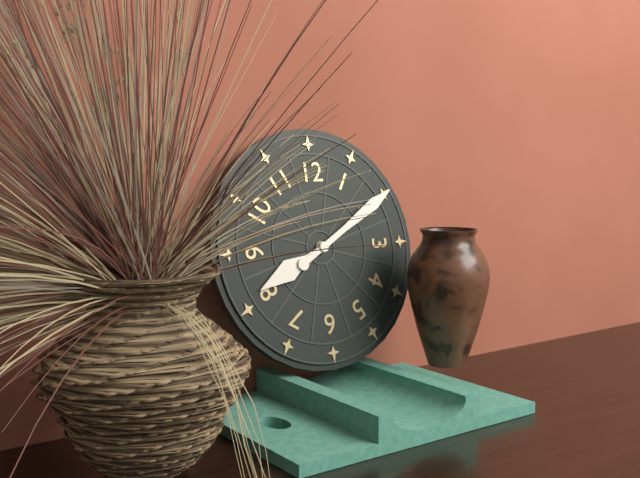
8:10
